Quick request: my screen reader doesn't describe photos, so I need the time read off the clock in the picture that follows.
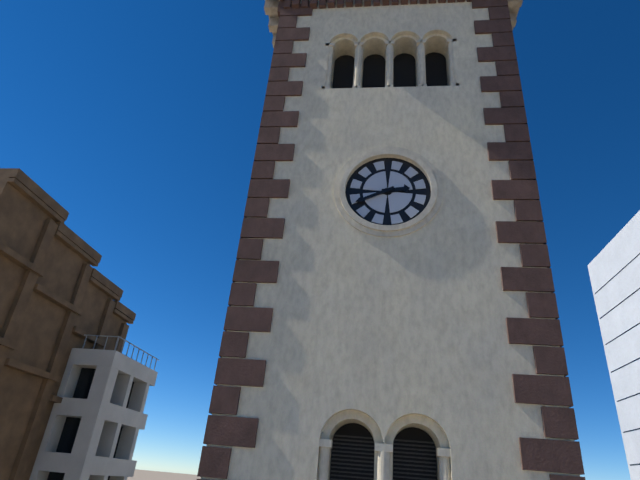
2:41
